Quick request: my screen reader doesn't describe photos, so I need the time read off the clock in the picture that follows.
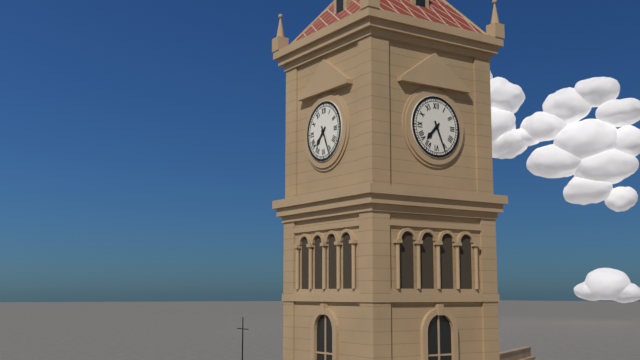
7:26
